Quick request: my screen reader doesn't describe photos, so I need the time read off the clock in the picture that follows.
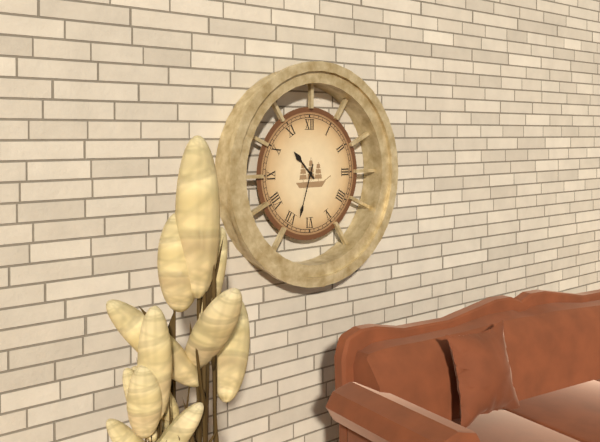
10:33
